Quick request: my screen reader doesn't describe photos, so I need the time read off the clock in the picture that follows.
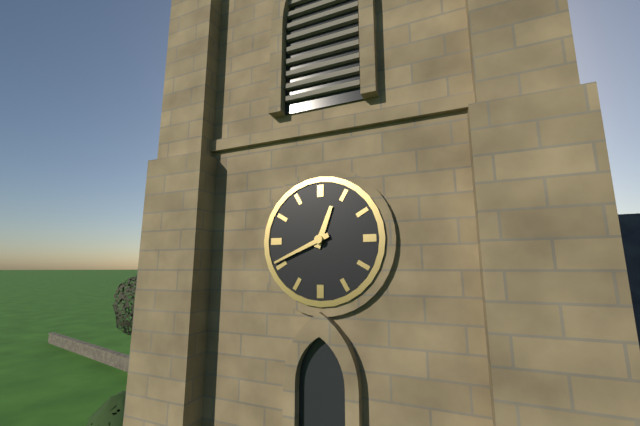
12:41
